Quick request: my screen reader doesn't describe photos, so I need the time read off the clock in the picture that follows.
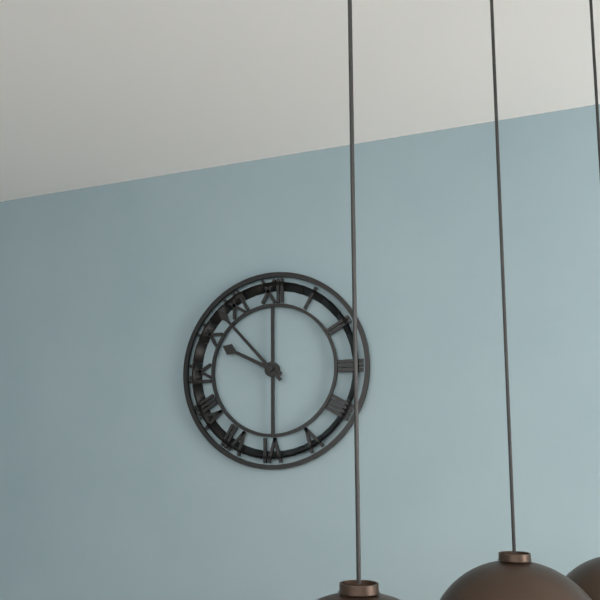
9:53
